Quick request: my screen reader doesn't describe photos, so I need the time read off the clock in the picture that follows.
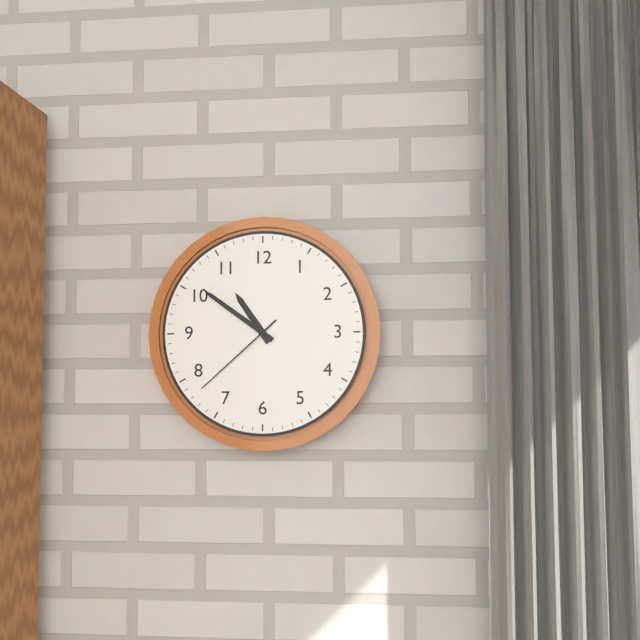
10:51:38
